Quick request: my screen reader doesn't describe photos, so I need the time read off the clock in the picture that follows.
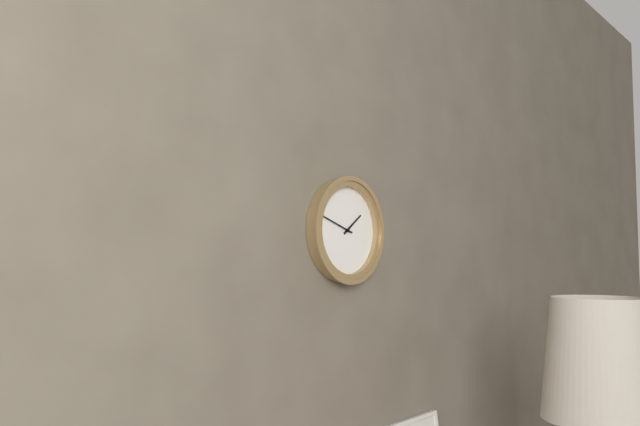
1:48
